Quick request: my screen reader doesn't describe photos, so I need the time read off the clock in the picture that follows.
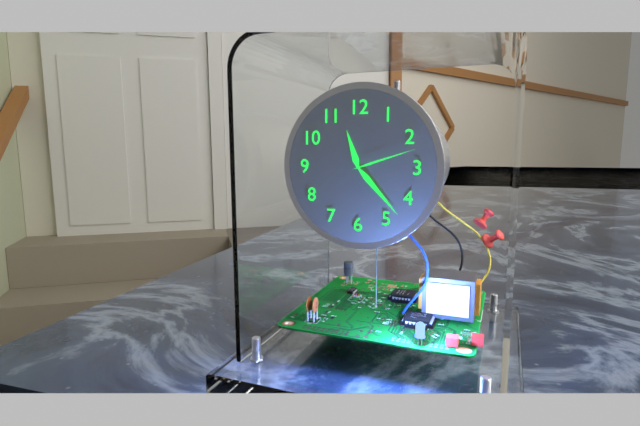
11:23:12
